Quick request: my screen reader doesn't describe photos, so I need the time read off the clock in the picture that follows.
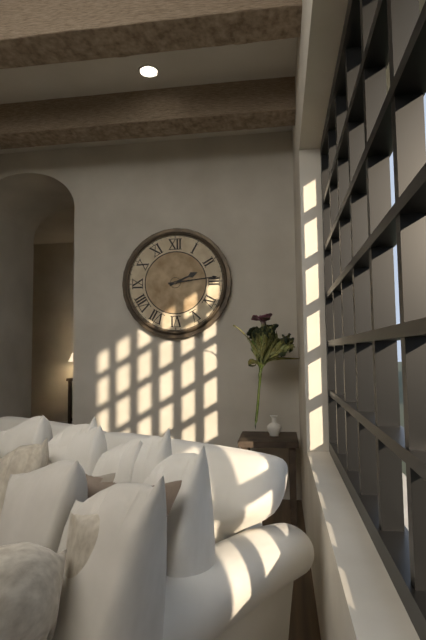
2:14
